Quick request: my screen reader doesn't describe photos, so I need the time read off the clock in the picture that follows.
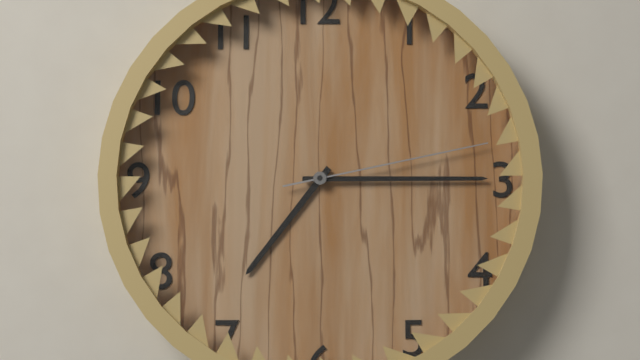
7:15:13
